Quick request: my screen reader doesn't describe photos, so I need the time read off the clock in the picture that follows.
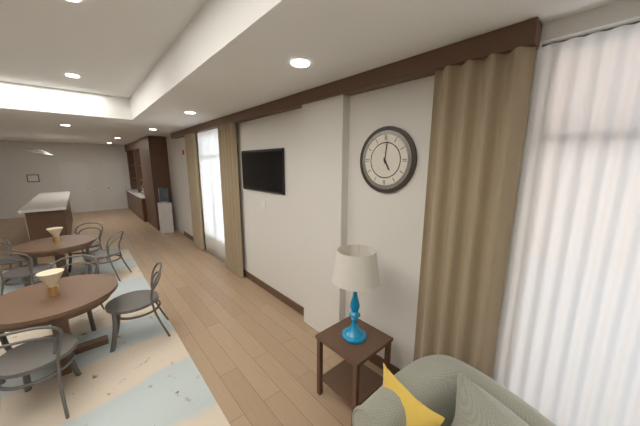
5:01
